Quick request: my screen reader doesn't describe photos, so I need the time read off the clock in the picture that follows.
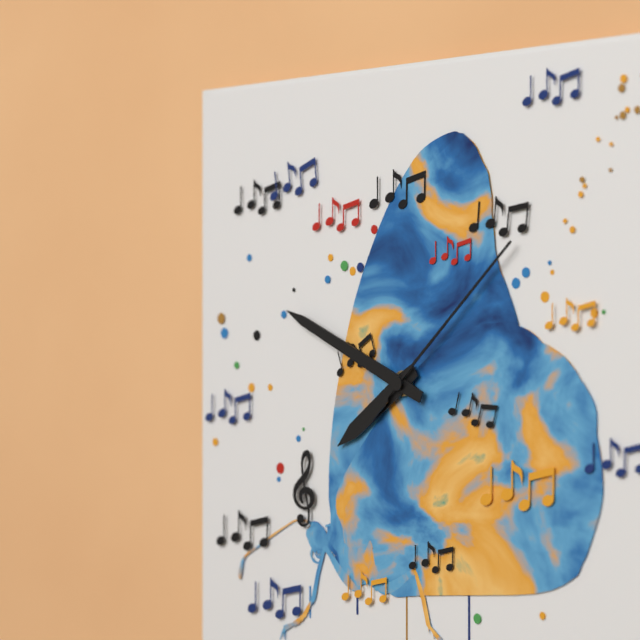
7:49:08
